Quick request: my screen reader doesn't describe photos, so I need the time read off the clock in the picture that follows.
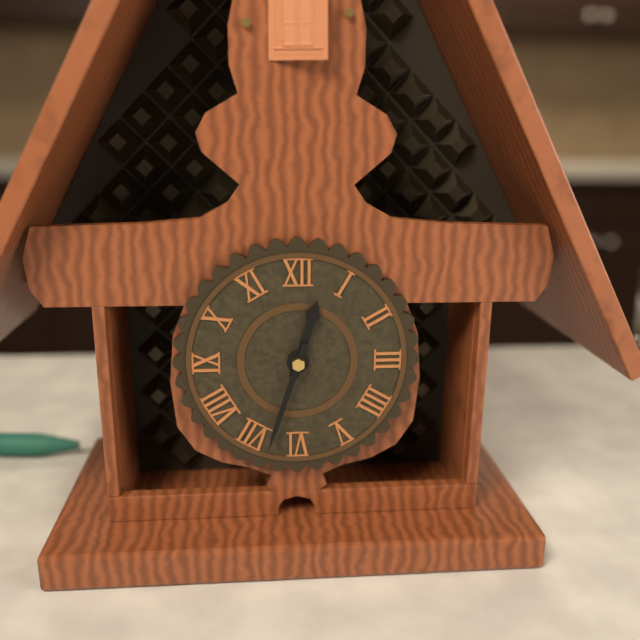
12:33
